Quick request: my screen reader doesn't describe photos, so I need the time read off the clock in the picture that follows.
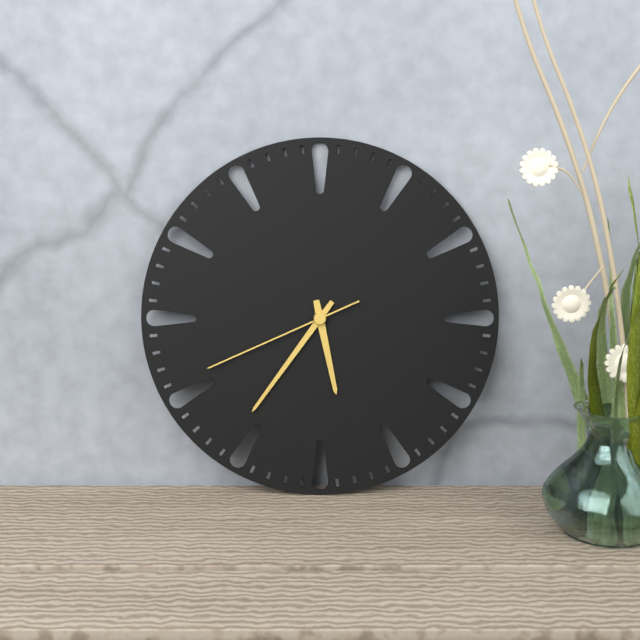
5:36:41
